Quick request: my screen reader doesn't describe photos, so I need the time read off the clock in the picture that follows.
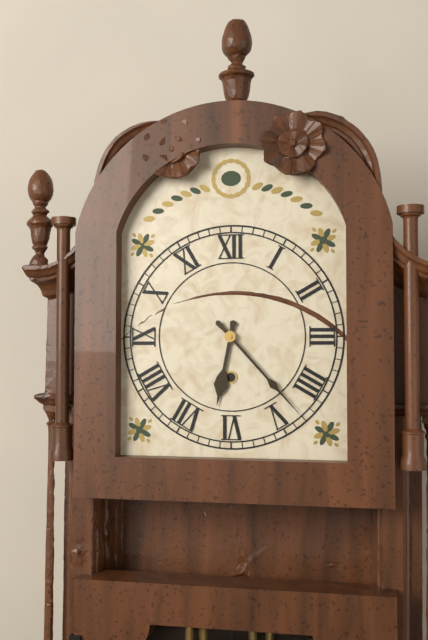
6:23
